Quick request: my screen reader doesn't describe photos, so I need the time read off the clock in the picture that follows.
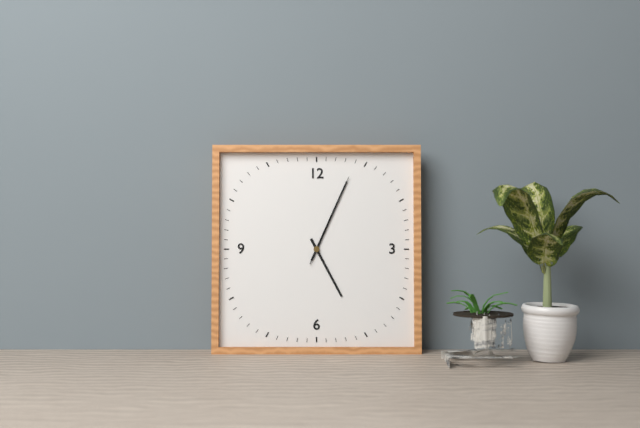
5:04:04
